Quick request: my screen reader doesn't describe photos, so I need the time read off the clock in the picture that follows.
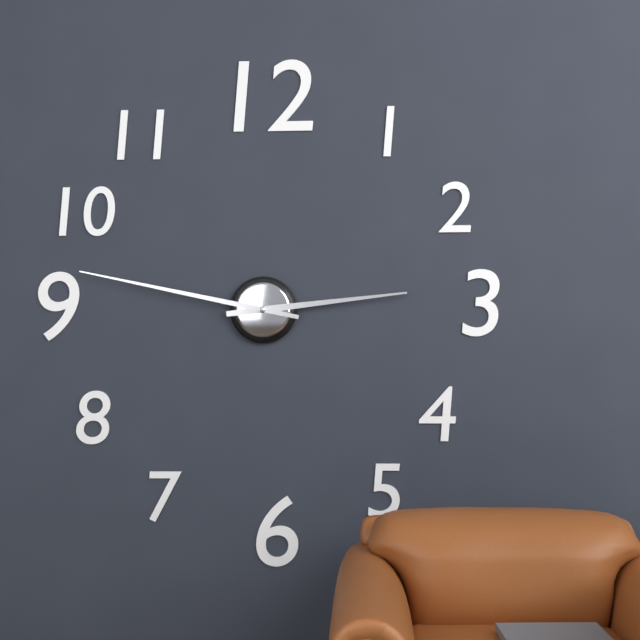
2:47
